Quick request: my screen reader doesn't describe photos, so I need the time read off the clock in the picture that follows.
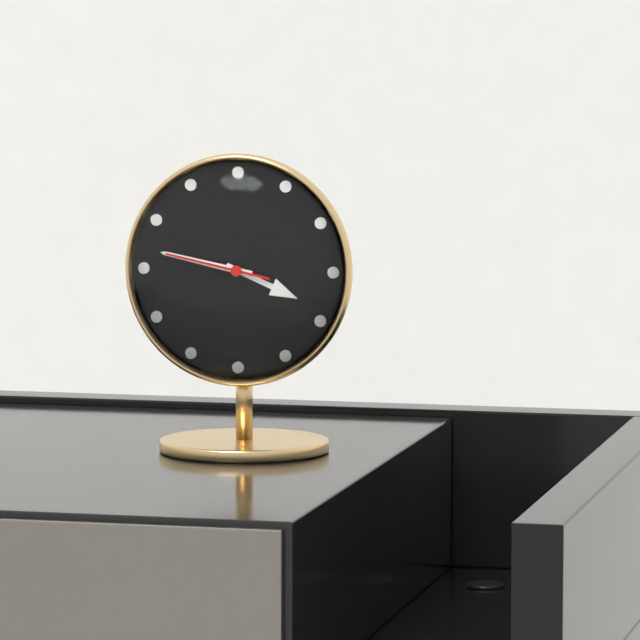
3:47:47
